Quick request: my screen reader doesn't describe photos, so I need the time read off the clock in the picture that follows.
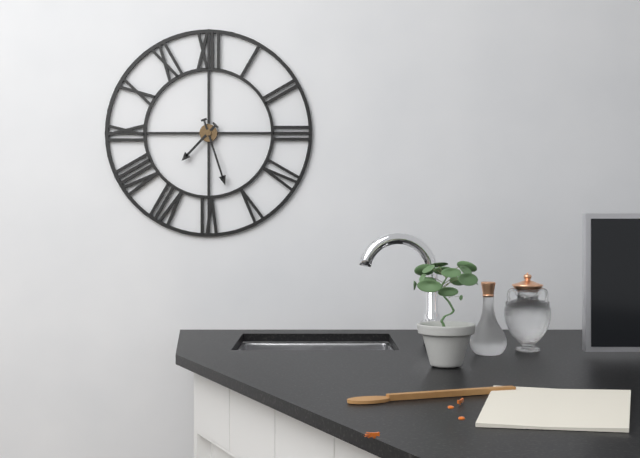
7:27
